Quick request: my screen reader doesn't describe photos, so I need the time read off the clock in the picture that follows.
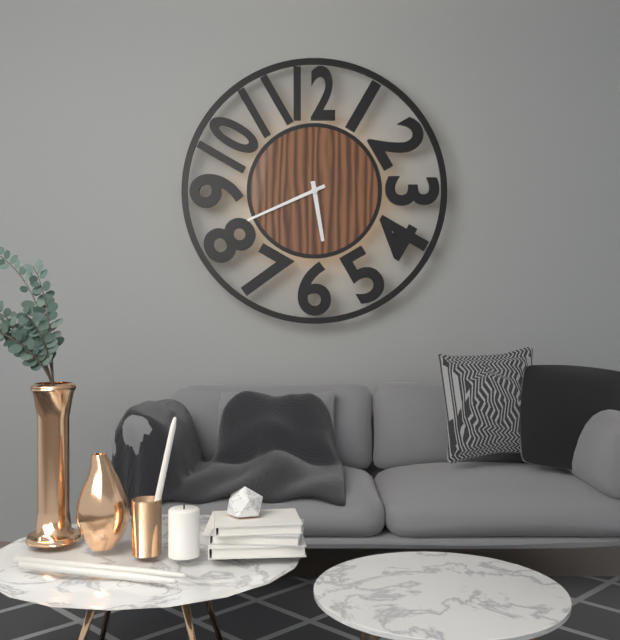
5:41
